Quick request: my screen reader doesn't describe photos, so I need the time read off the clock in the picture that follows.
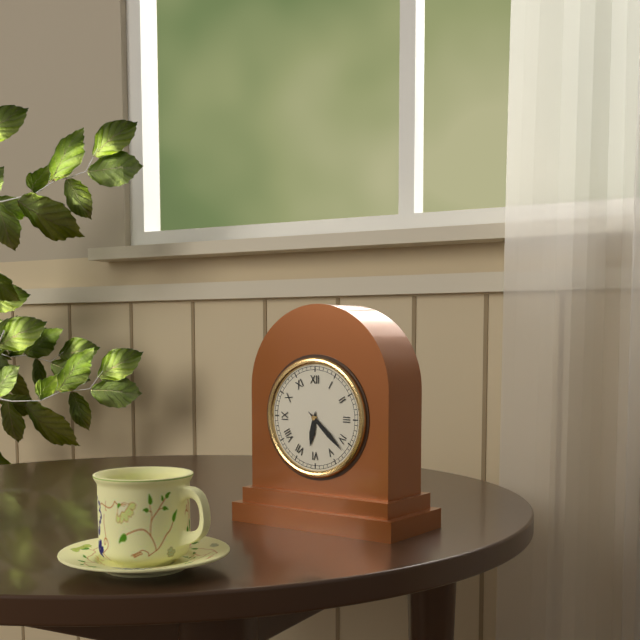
6:22
